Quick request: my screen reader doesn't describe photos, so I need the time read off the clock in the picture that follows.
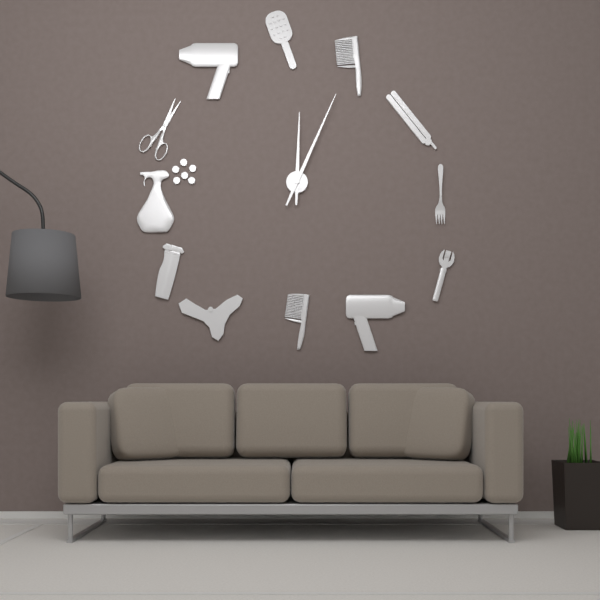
12:04
